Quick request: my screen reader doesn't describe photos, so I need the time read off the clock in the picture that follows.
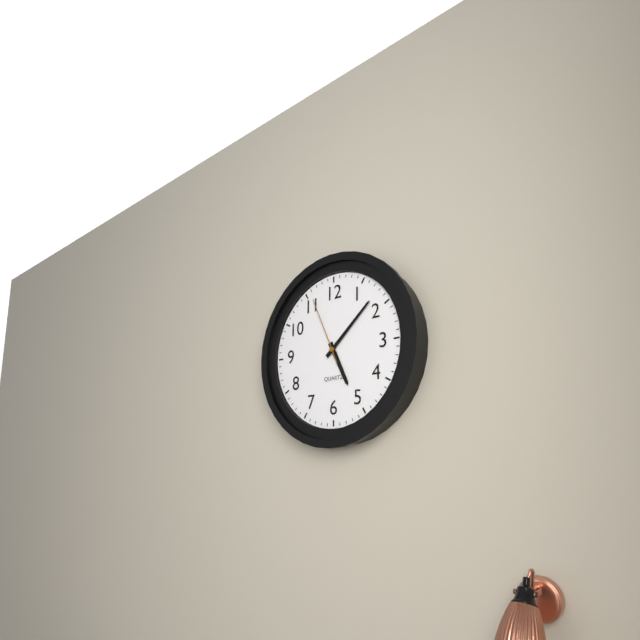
5:08:56
